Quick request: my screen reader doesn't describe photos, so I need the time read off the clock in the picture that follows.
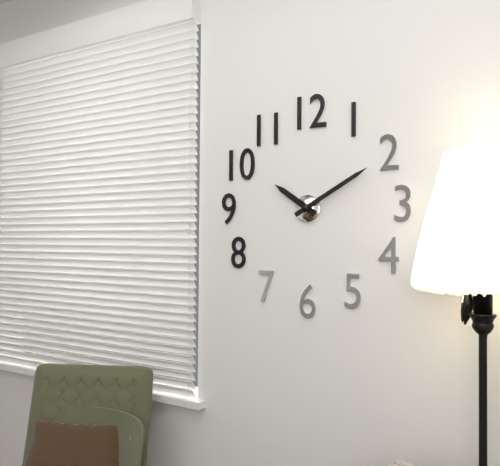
10:10
